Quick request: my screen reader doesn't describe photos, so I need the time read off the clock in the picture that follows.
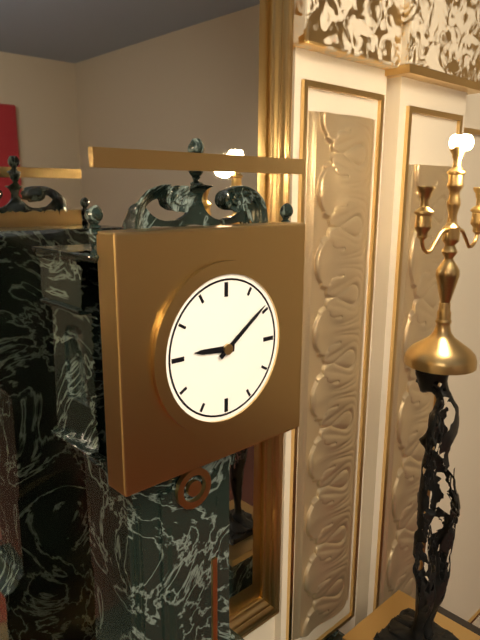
9:09
